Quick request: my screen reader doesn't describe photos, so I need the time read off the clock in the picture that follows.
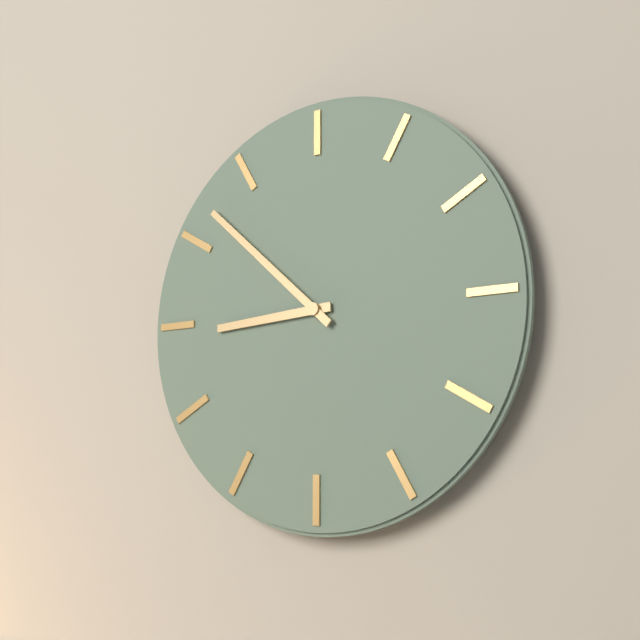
8:52
